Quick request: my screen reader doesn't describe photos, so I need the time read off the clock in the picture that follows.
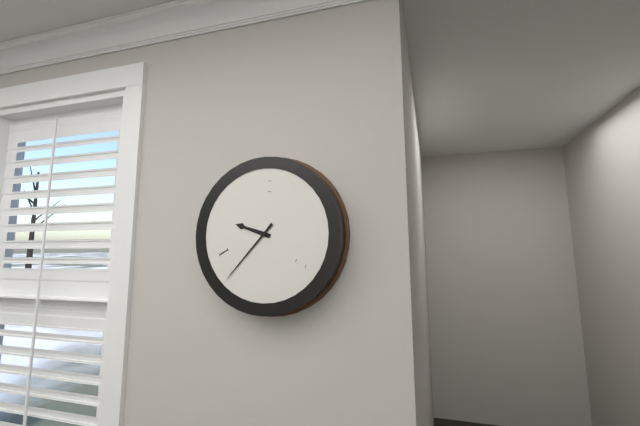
9:37
